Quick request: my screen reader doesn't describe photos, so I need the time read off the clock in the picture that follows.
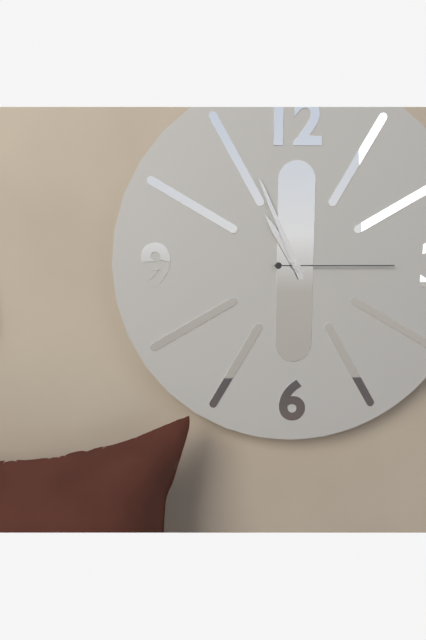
10:56:15
